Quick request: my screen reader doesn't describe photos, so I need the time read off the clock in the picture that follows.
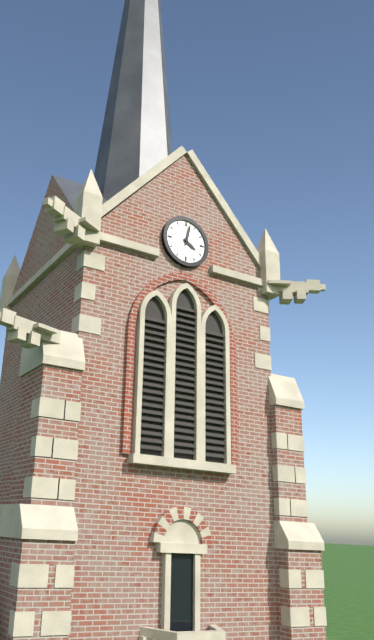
4:02
